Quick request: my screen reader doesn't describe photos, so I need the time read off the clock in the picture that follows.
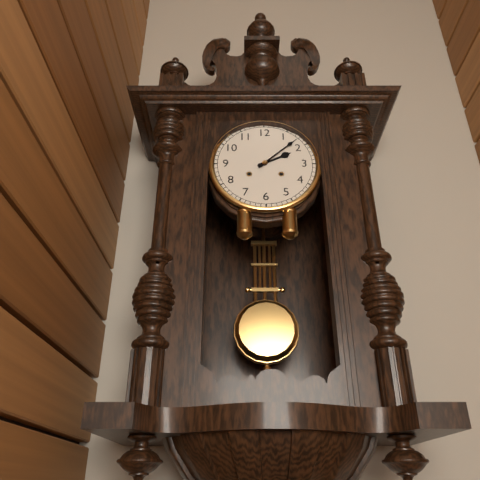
2:08
